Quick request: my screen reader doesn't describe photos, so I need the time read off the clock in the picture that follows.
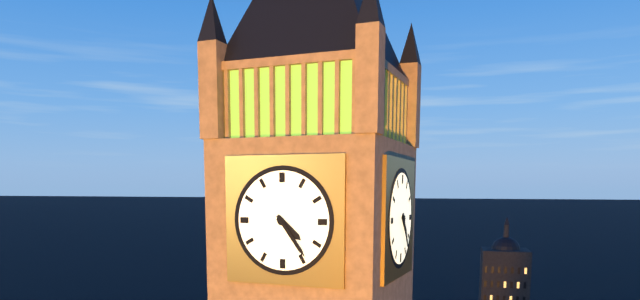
4:24
